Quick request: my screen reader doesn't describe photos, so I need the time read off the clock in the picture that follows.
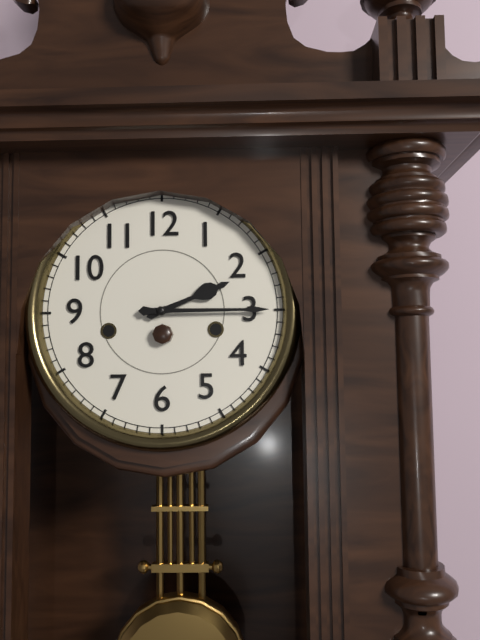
2:15
